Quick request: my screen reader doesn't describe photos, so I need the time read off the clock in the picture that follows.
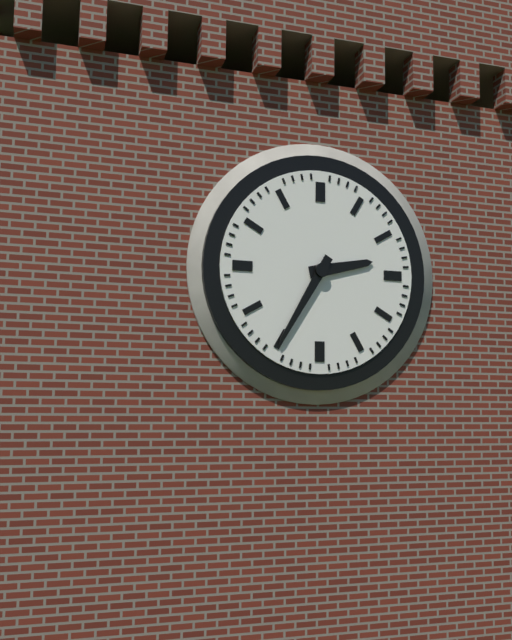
2:35
